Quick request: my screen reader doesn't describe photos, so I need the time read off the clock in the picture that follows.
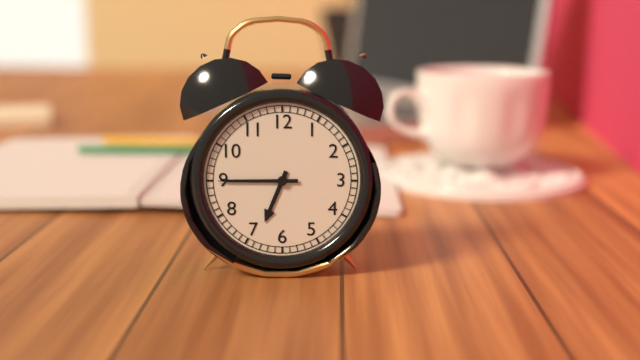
6:45
